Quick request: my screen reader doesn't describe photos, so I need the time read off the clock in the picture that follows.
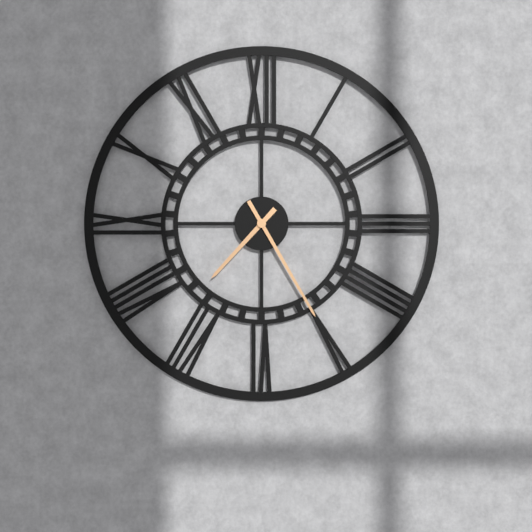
7:25
